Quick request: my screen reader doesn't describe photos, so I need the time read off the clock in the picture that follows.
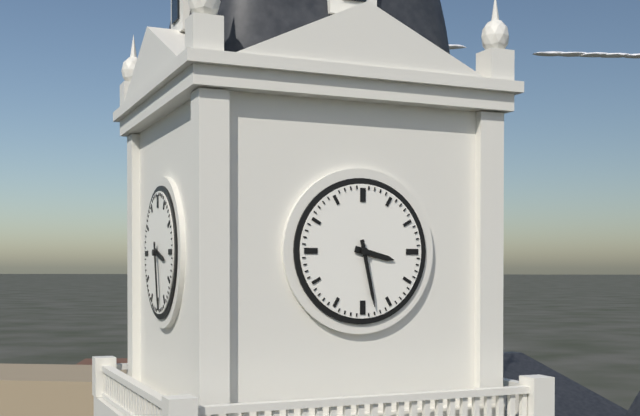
3:28
